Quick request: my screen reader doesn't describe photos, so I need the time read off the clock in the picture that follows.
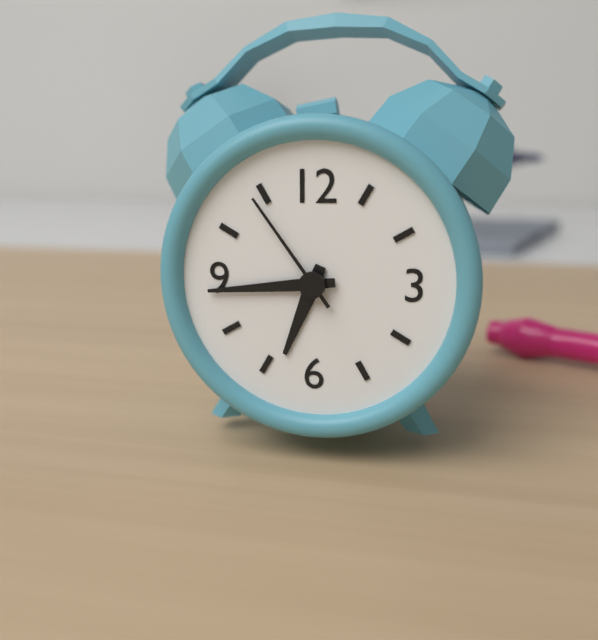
6:44:54
